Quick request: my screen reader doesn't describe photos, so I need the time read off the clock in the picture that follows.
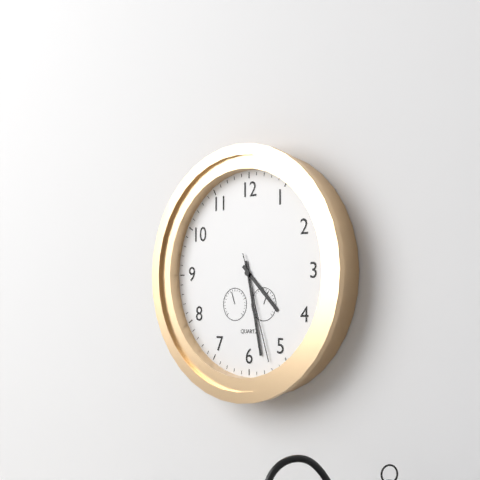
4:28:27
